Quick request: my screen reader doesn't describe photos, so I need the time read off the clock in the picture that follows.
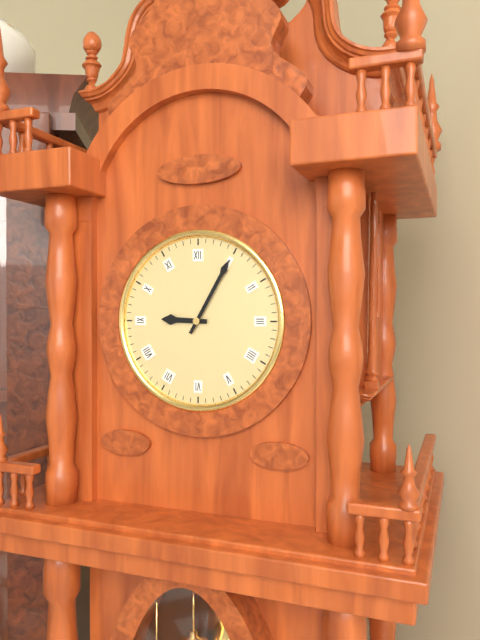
9:05
